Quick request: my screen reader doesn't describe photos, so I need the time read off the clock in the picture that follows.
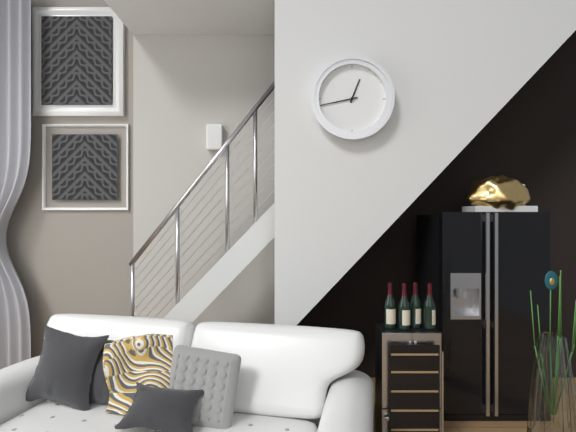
12:43
